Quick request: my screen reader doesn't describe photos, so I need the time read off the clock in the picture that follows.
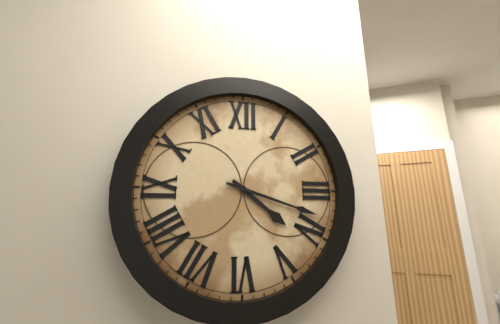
4:18
